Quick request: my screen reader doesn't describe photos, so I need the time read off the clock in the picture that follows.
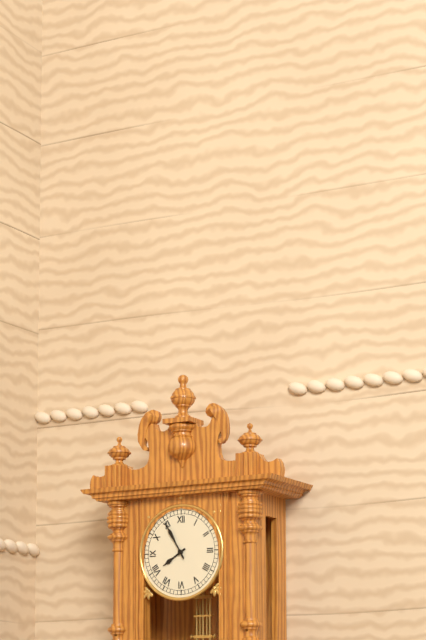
7:55
